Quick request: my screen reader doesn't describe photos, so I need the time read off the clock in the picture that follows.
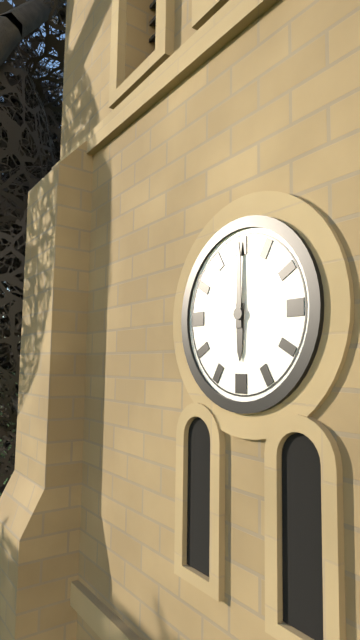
6:00
